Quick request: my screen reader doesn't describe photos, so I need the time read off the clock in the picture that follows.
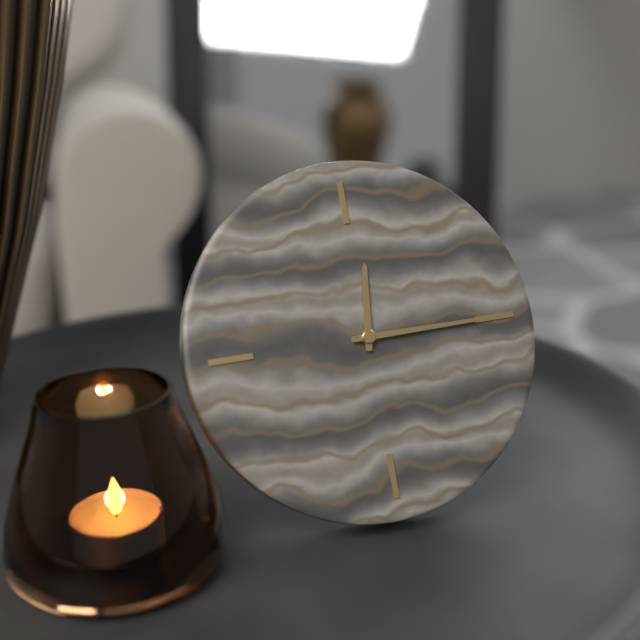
12:15
